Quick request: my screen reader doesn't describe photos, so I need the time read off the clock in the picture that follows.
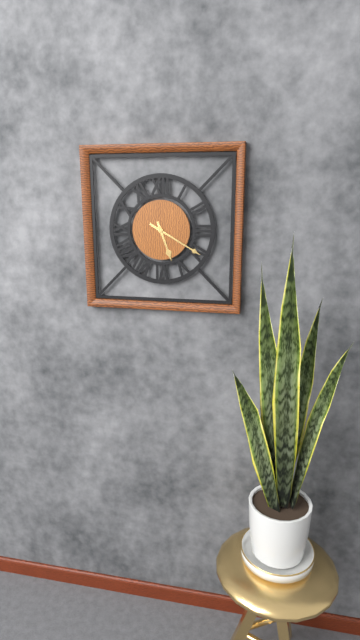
5:20
